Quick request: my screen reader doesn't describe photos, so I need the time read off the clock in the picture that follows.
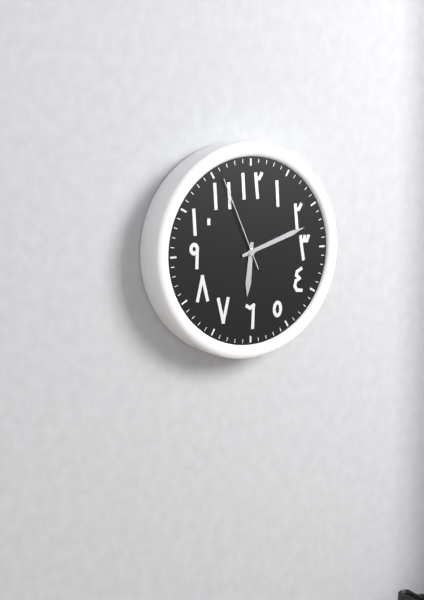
6:12:56
